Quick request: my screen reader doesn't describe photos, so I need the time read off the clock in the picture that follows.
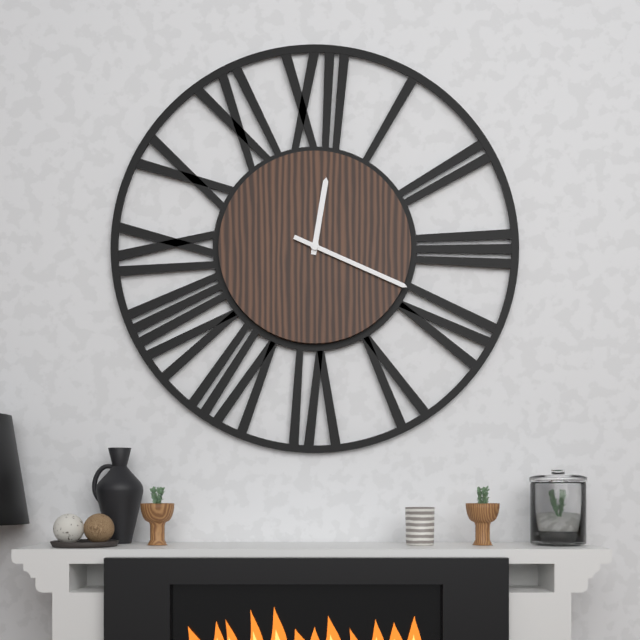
12:19
